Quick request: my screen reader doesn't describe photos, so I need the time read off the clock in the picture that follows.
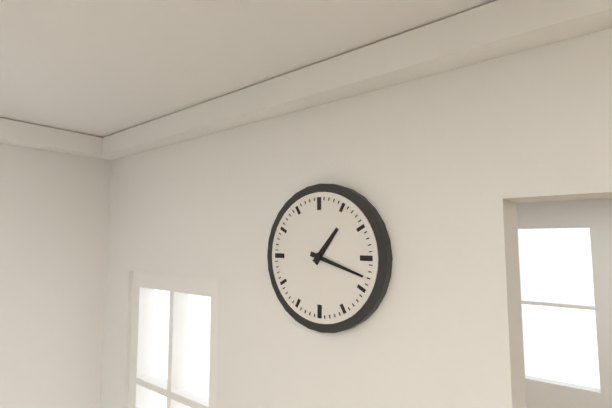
1:18
